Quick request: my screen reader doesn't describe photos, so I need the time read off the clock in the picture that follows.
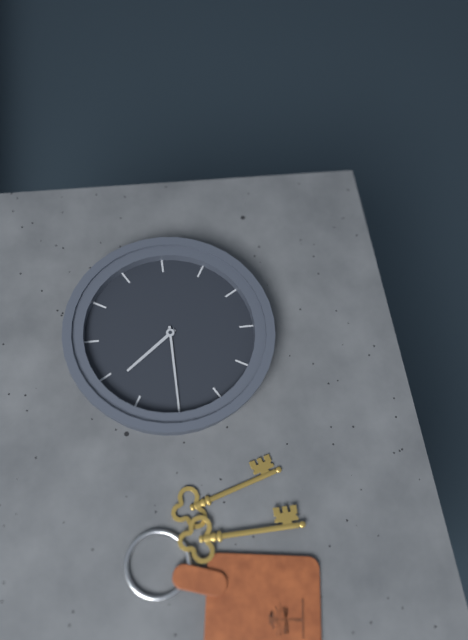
10:45
